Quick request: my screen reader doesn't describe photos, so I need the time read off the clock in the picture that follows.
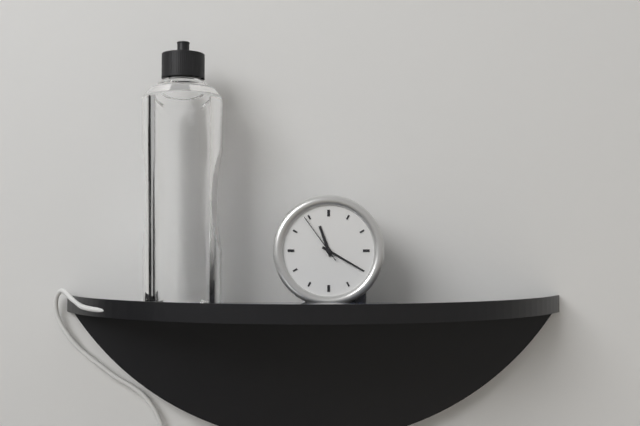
11:20:54
